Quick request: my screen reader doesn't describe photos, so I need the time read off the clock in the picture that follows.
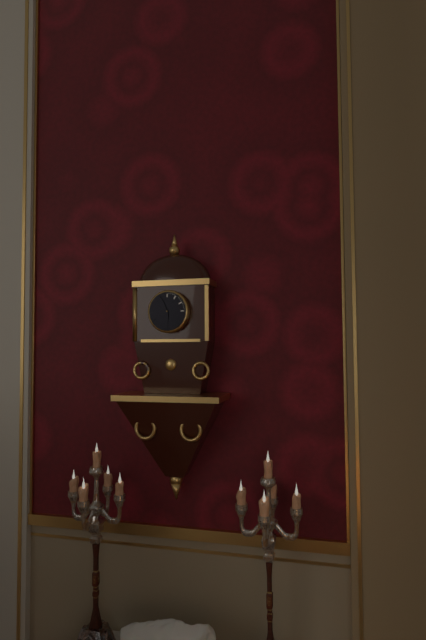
5:56
